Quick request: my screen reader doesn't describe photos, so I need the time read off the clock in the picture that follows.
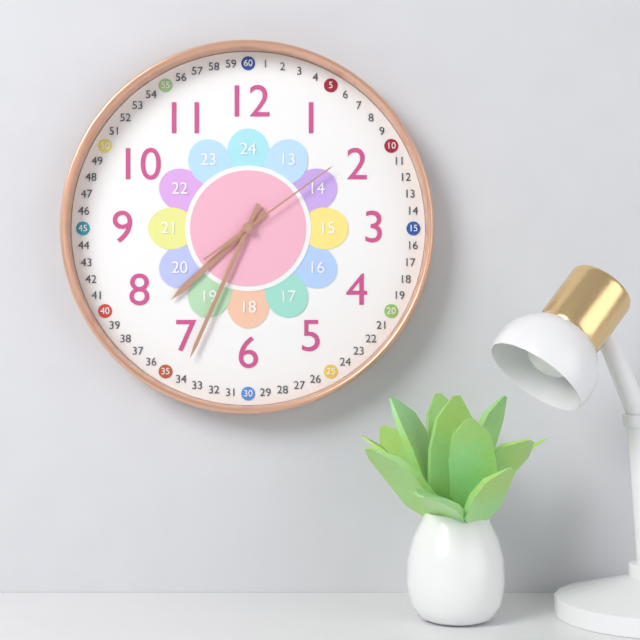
7:34:09
